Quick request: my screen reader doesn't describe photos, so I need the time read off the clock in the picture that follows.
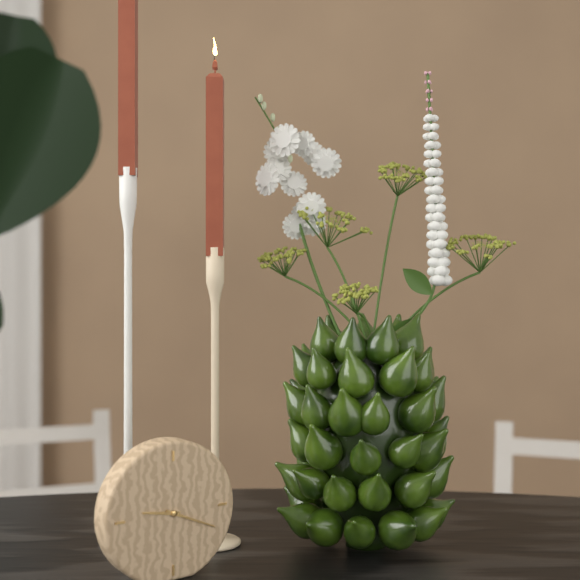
9:19
